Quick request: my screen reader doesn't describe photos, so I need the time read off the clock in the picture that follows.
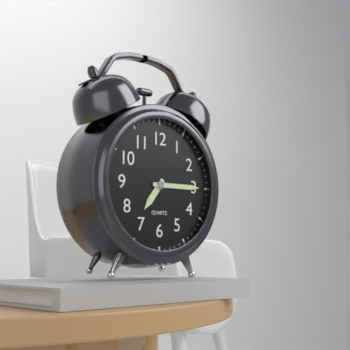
7:15
